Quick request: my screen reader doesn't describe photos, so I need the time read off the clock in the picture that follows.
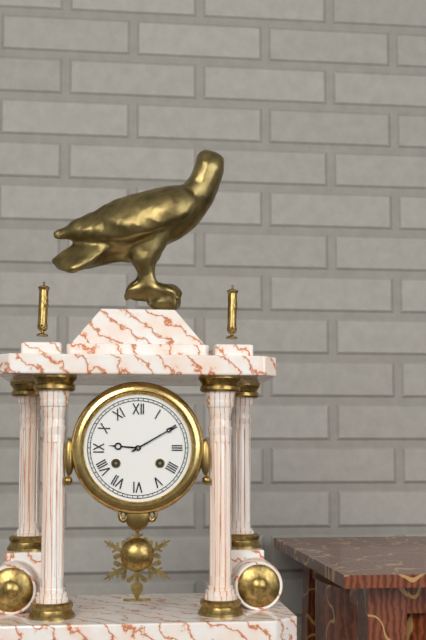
9:10
